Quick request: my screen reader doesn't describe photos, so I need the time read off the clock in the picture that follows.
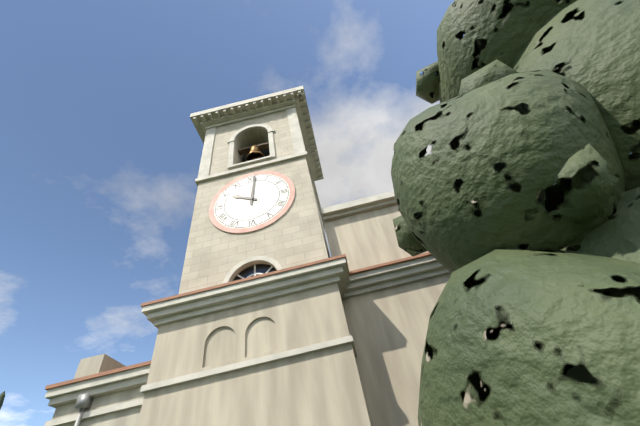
10:01
